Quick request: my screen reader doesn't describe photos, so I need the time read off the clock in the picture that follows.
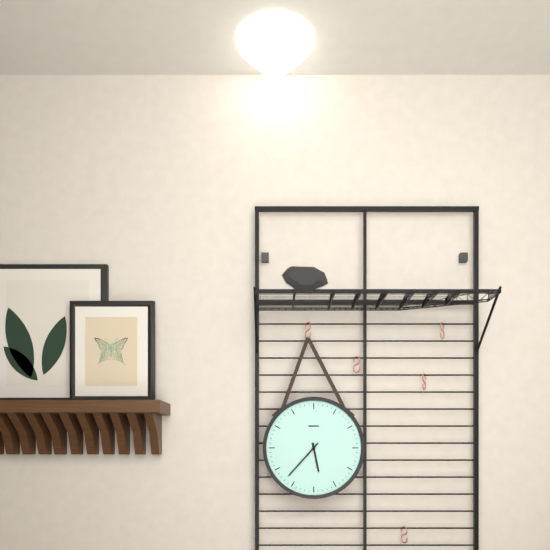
5:37
